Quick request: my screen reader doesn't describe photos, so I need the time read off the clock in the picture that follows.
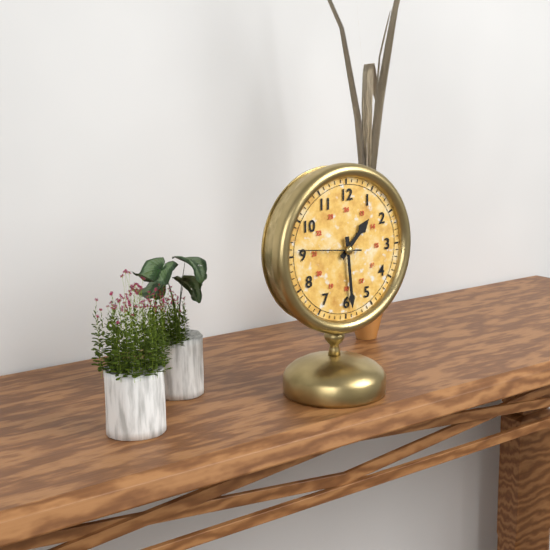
1:29:46
